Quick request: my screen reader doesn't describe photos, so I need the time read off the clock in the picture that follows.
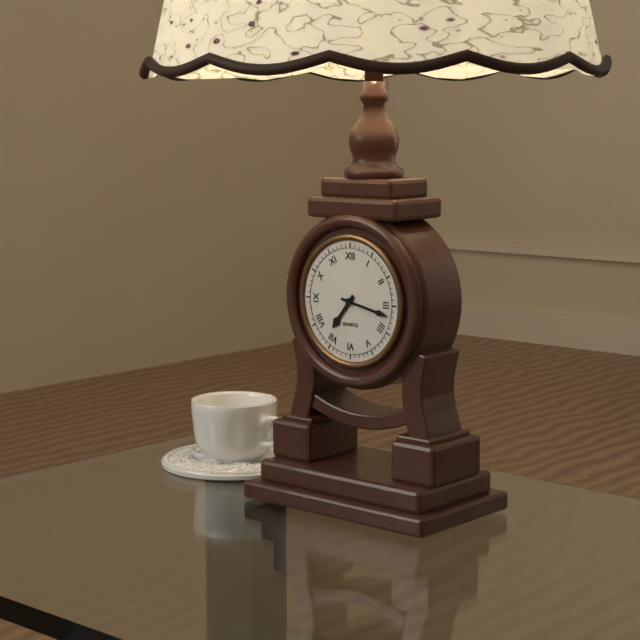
7:17
